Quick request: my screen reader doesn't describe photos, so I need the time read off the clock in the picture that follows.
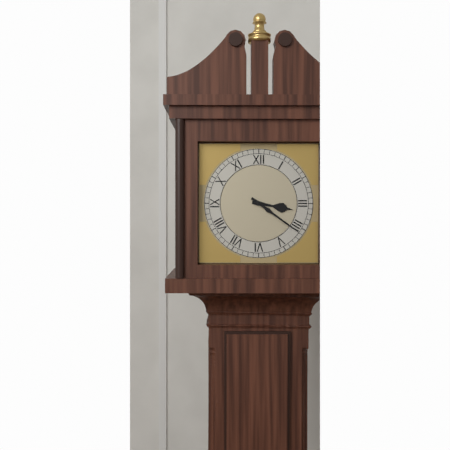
3:21
